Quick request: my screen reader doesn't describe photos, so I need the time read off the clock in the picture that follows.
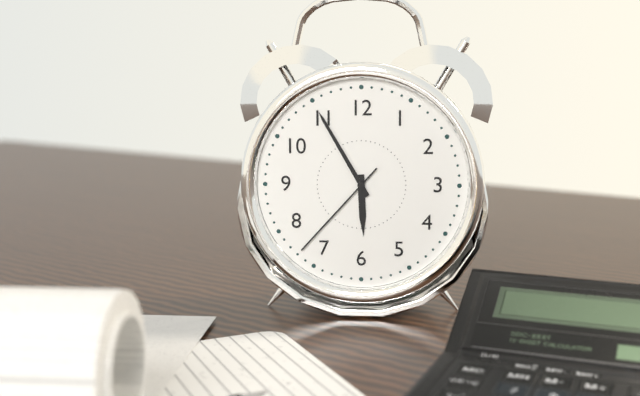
5:55:37
